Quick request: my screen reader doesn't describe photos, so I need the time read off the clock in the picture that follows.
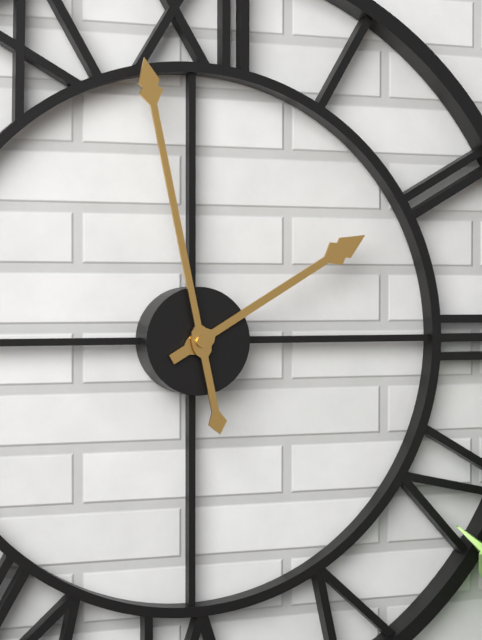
1:58
